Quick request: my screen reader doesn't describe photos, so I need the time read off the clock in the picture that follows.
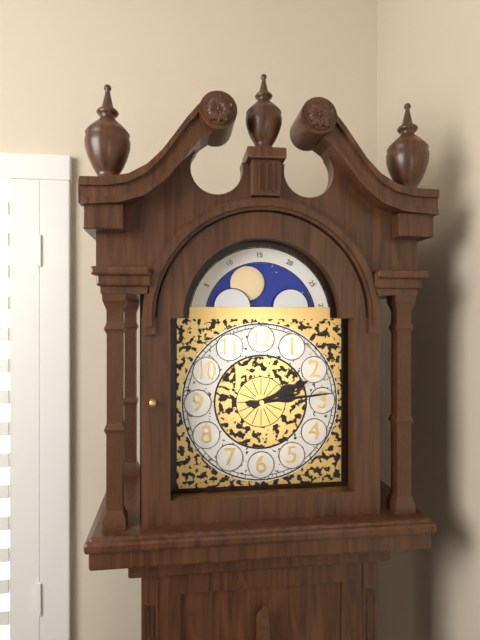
2:14
